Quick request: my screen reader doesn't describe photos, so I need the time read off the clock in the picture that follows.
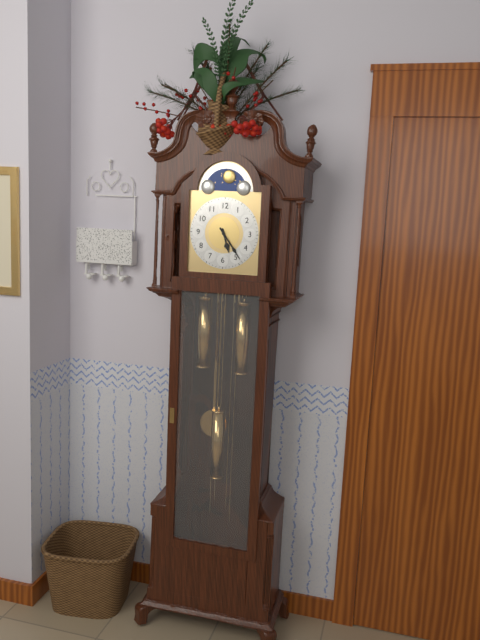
5:24
